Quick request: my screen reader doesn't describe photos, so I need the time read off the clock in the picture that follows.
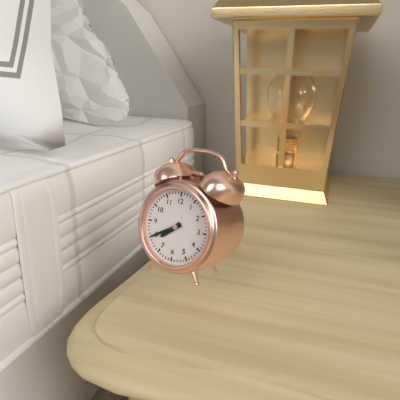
7:40
